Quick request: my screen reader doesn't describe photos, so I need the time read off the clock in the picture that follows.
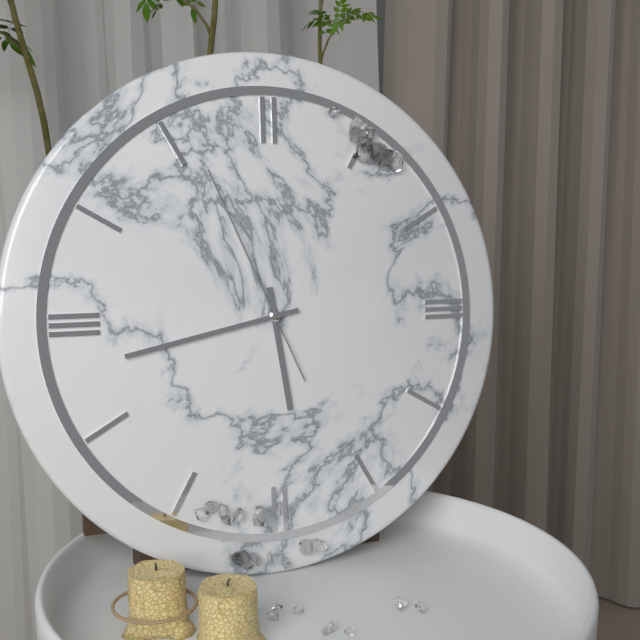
5:43:56
